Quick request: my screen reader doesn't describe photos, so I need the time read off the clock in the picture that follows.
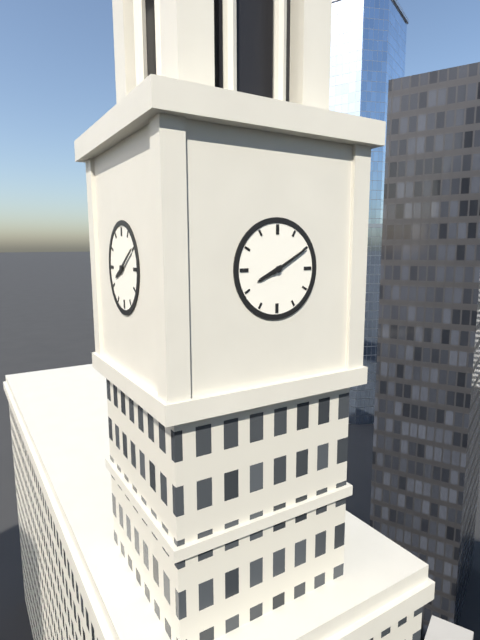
8:10
